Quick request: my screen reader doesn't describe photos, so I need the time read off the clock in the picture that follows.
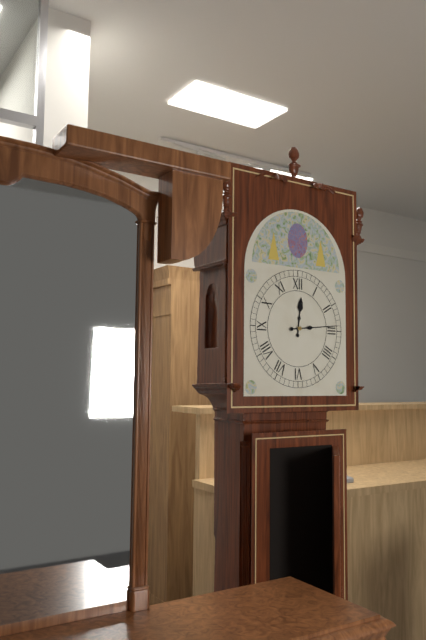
12:14
